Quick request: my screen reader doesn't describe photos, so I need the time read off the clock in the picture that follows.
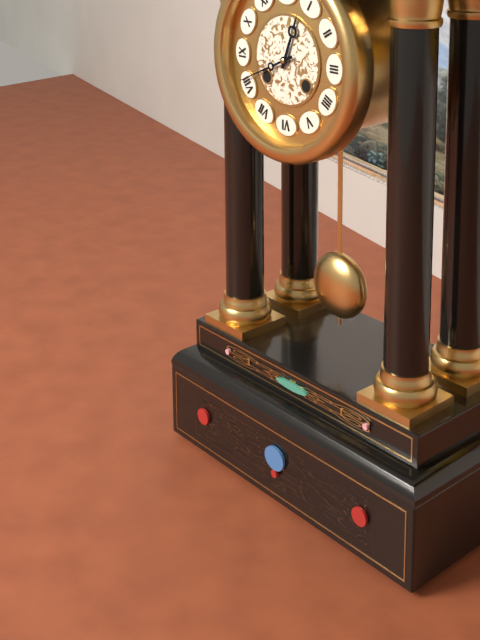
12:41
